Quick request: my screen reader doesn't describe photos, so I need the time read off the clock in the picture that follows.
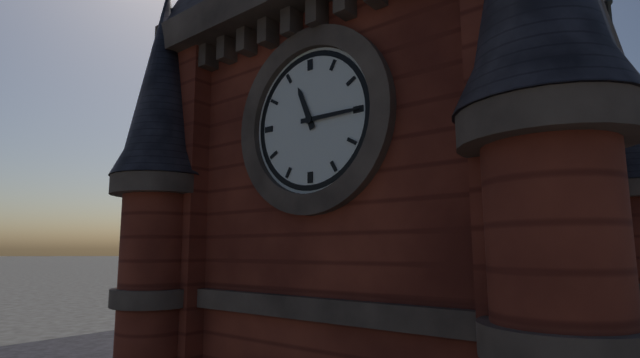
11:15
